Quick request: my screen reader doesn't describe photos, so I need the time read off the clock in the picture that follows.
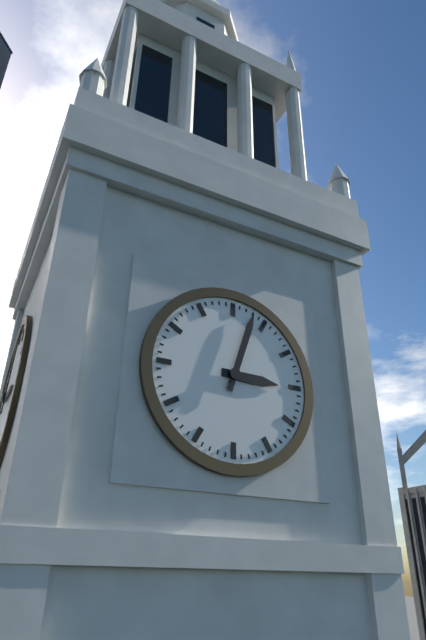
3:03
